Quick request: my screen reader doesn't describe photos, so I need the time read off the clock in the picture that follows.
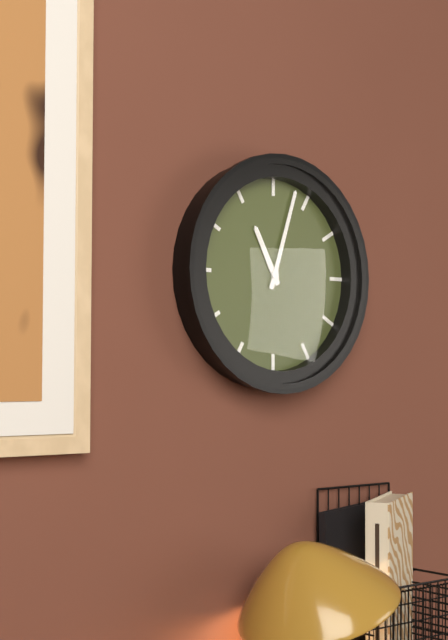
11:03
